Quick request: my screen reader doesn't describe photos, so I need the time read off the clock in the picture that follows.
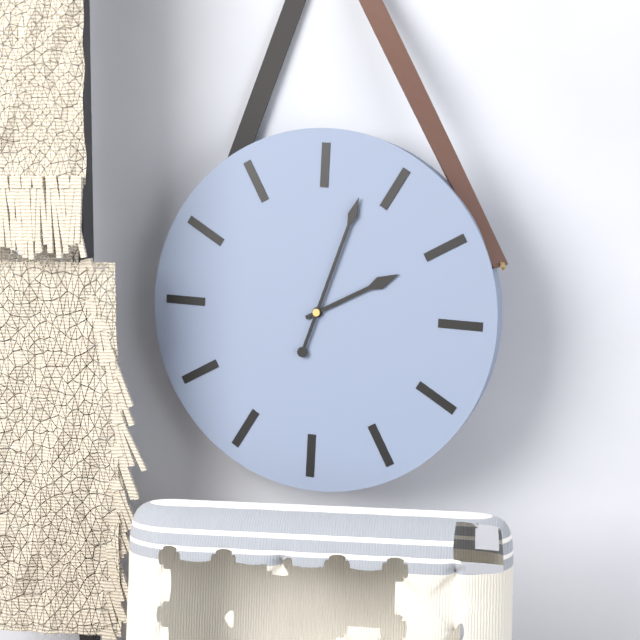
2:03
